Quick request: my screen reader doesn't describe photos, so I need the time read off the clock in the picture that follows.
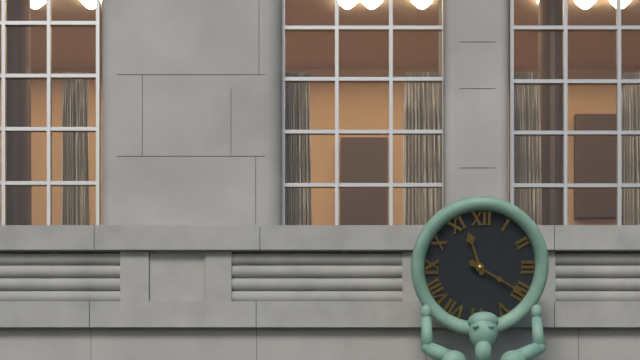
11:20
